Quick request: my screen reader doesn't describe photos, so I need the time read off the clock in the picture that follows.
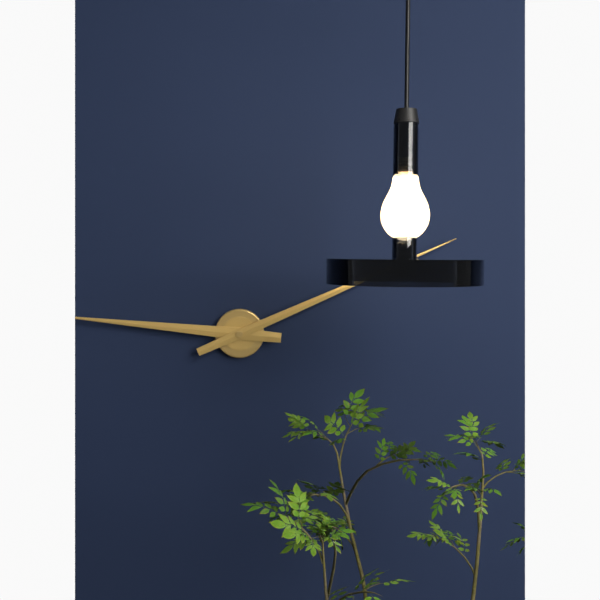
9:11
